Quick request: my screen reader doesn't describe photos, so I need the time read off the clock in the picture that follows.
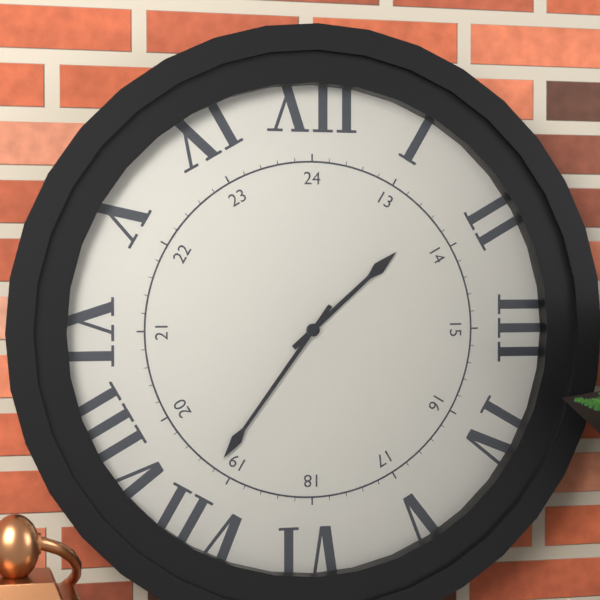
1:36
